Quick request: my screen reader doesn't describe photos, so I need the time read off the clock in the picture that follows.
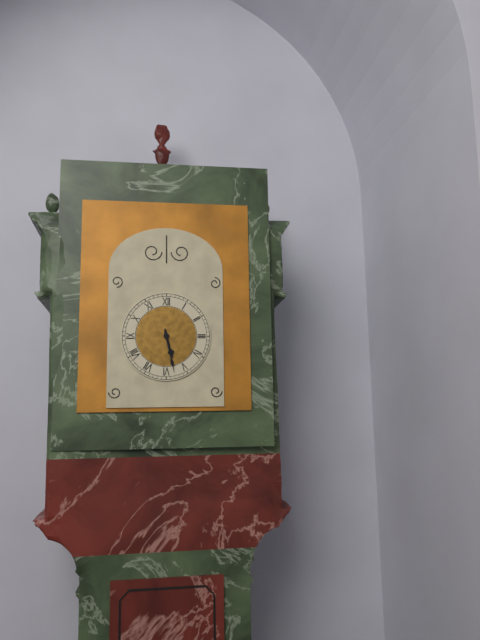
5:28
